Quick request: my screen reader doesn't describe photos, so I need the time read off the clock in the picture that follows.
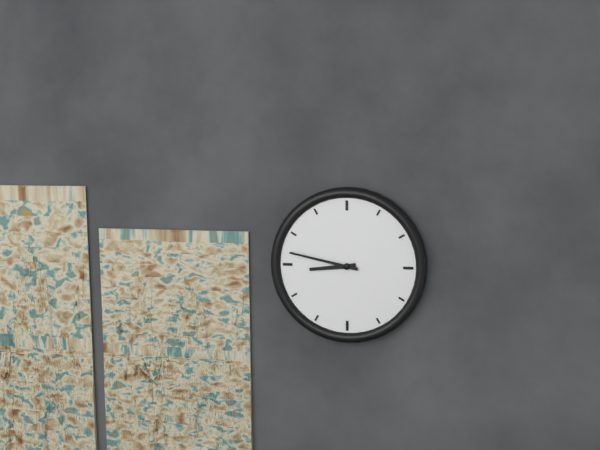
8:47
